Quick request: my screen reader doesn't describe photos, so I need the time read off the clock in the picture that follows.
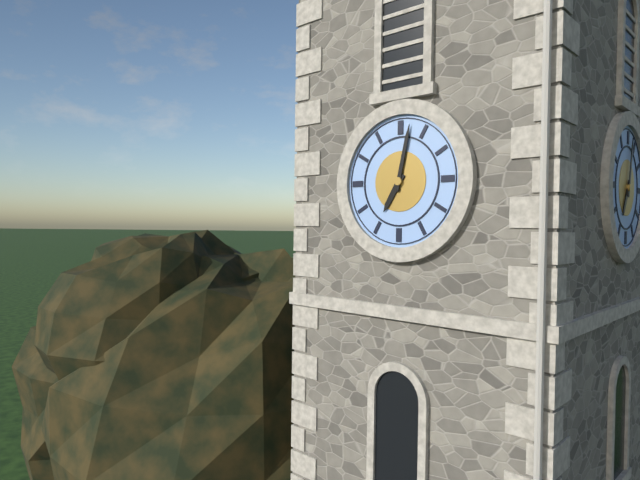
7:02
